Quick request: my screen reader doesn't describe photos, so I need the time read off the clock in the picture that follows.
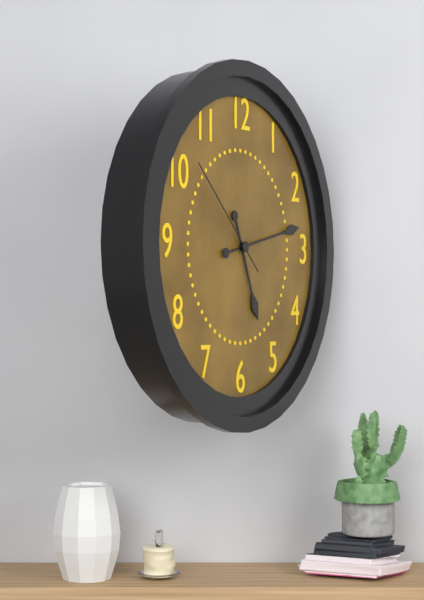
5:13:52
